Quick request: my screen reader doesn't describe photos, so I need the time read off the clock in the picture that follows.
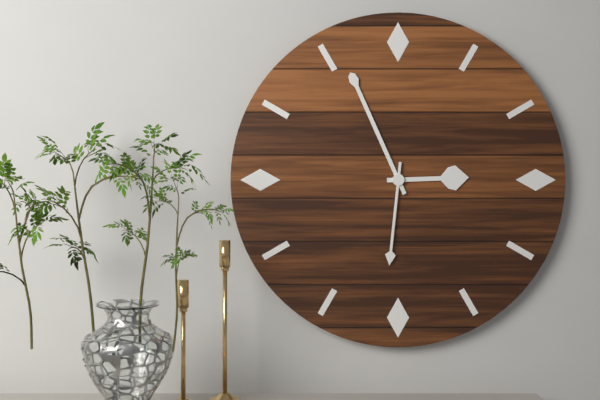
2:56:31
